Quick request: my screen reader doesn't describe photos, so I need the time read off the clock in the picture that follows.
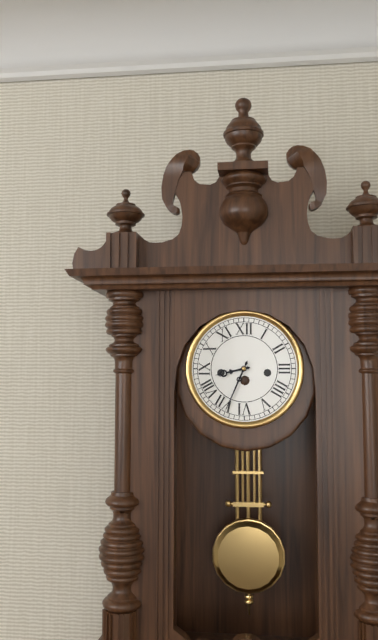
8:34
